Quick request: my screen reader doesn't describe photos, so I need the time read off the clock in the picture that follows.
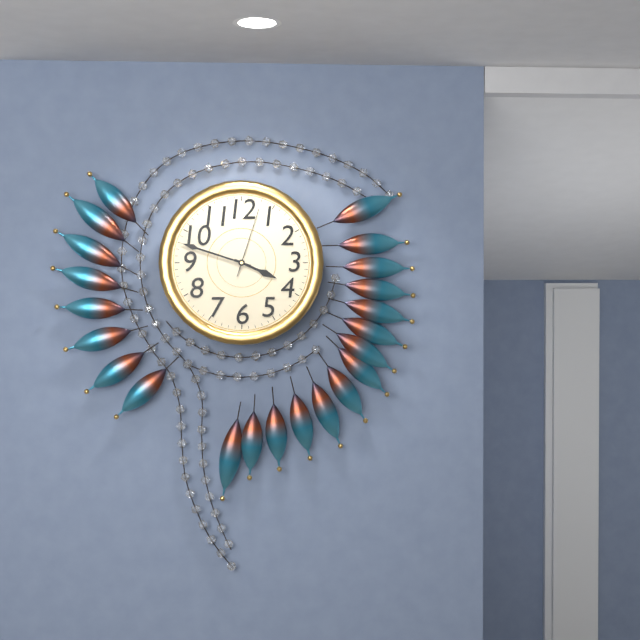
3:48:03
